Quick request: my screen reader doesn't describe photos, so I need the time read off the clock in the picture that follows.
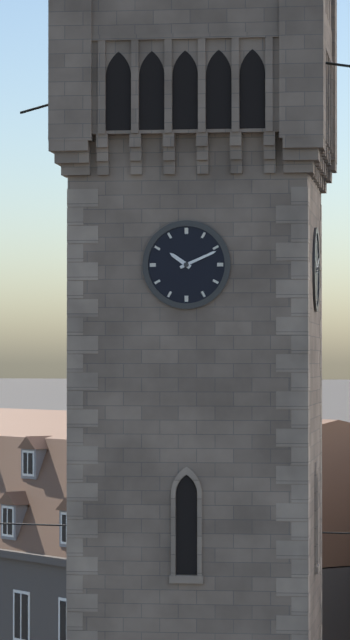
10:11
